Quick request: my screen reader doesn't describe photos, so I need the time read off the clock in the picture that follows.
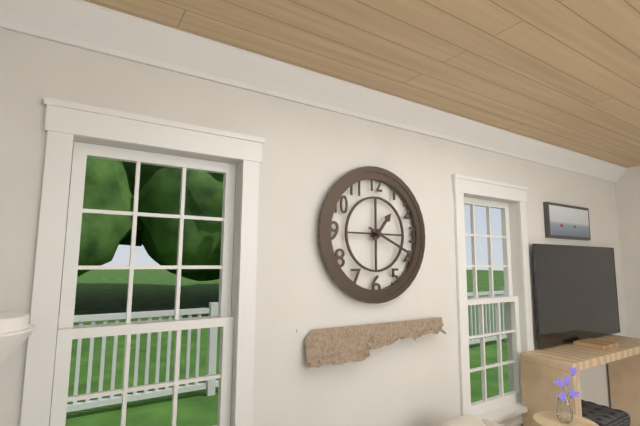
1:19
